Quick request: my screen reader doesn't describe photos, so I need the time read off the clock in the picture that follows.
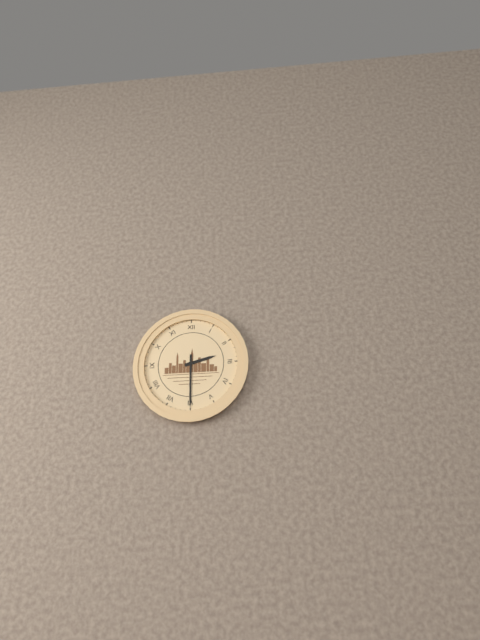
2:30
